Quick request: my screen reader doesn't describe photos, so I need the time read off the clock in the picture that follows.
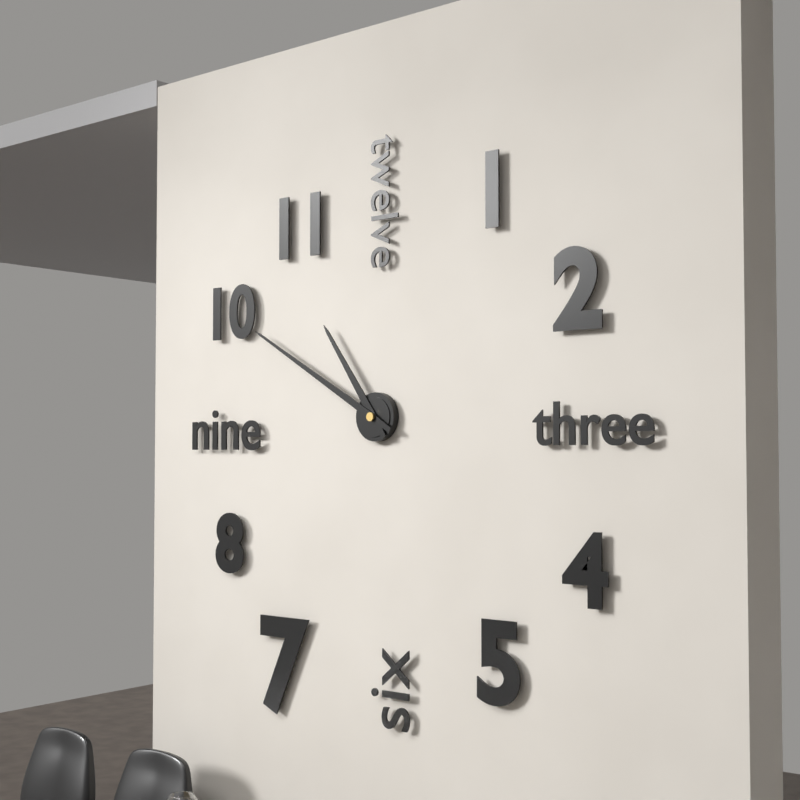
10:50
